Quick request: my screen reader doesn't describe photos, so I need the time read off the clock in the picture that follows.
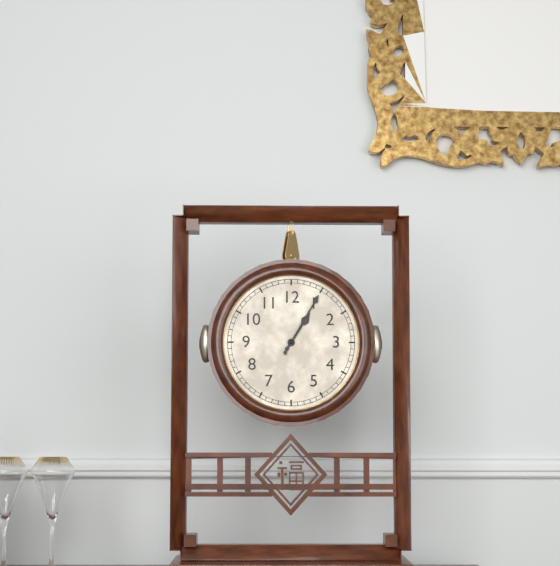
1:05
